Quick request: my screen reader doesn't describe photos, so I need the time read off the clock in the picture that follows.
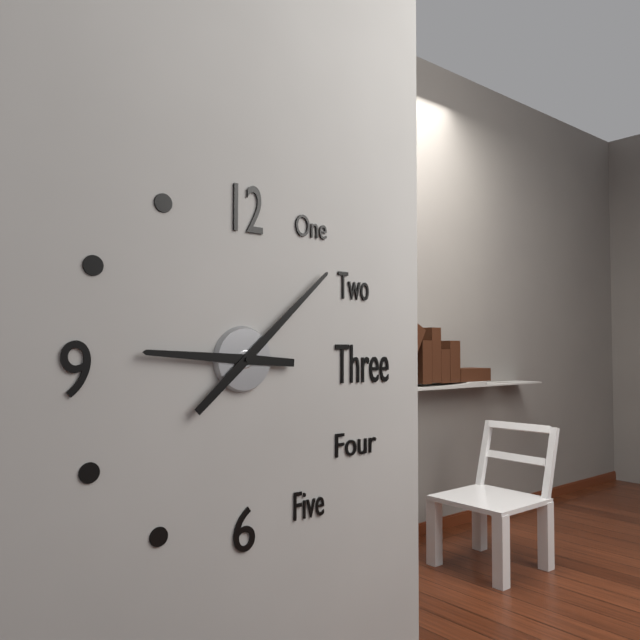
9:08
